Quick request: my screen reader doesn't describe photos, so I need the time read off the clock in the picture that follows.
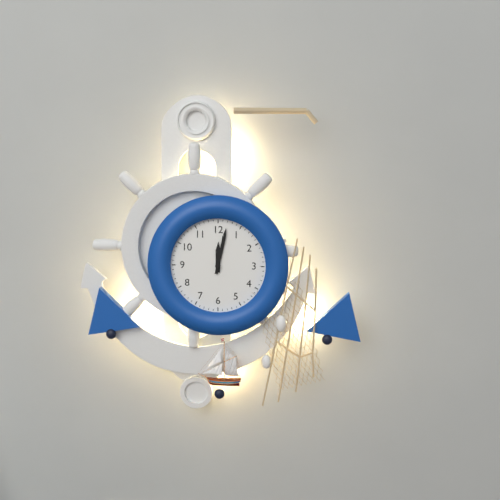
12:02
